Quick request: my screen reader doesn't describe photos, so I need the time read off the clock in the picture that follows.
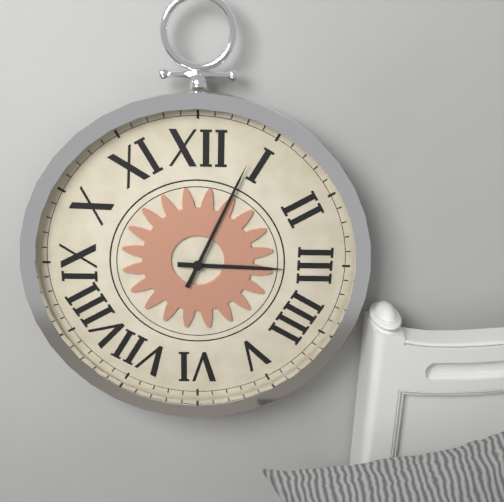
3:04
